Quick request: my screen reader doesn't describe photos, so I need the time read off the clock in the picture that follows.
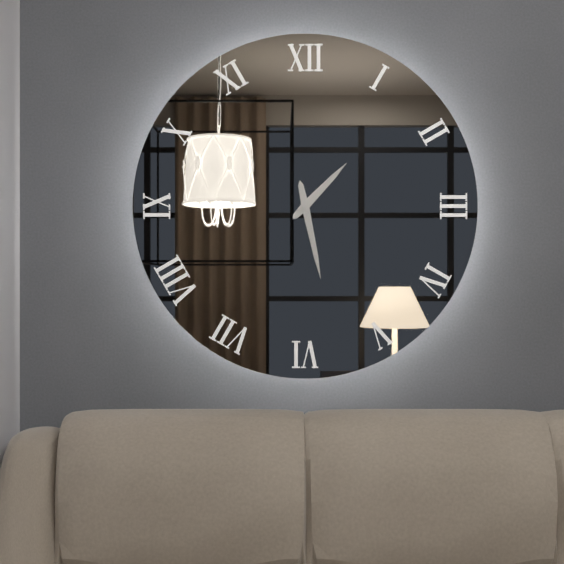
1:28
